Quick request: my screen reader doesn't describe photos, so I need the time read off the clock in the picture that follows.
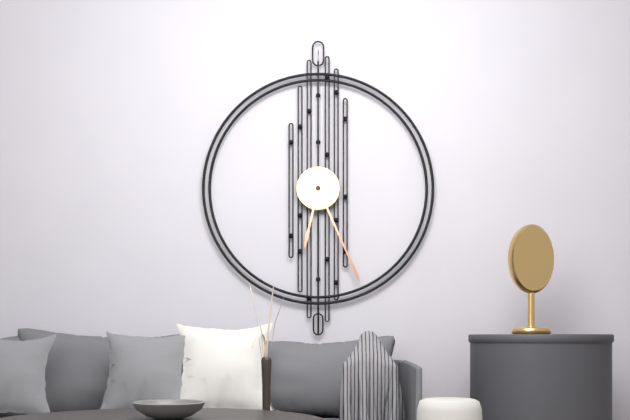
6:26
